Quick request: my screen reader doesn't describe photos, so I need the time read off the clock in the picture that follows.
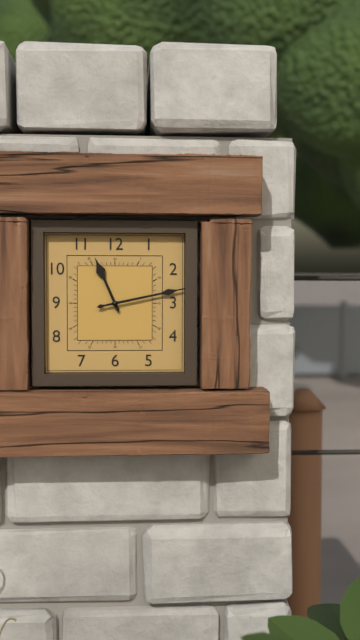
11:13
